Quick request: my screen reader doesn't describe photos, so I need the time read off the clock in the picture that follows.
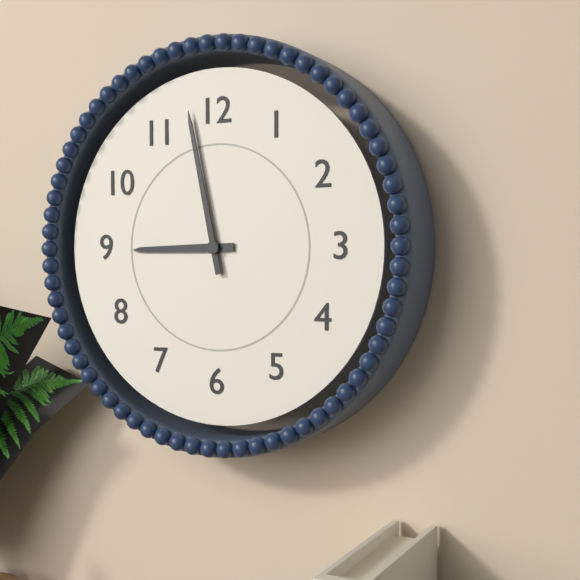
8:58
